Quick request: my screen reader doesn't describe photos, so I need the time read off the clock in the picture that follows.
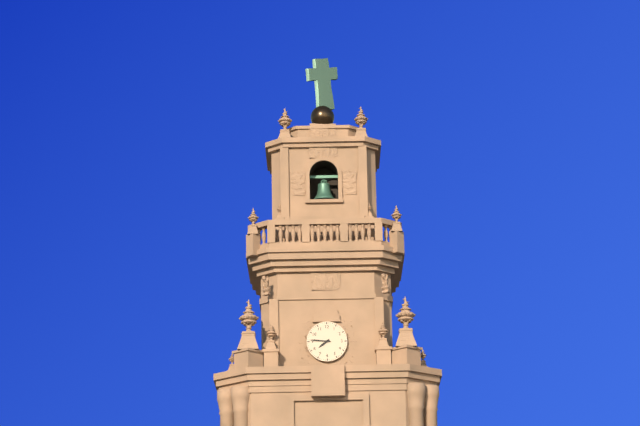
7:46
